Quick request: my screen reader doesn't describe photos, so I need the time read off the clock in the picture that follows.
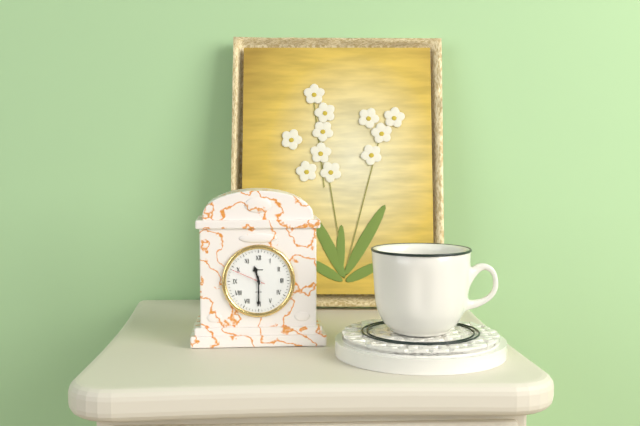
11:30
